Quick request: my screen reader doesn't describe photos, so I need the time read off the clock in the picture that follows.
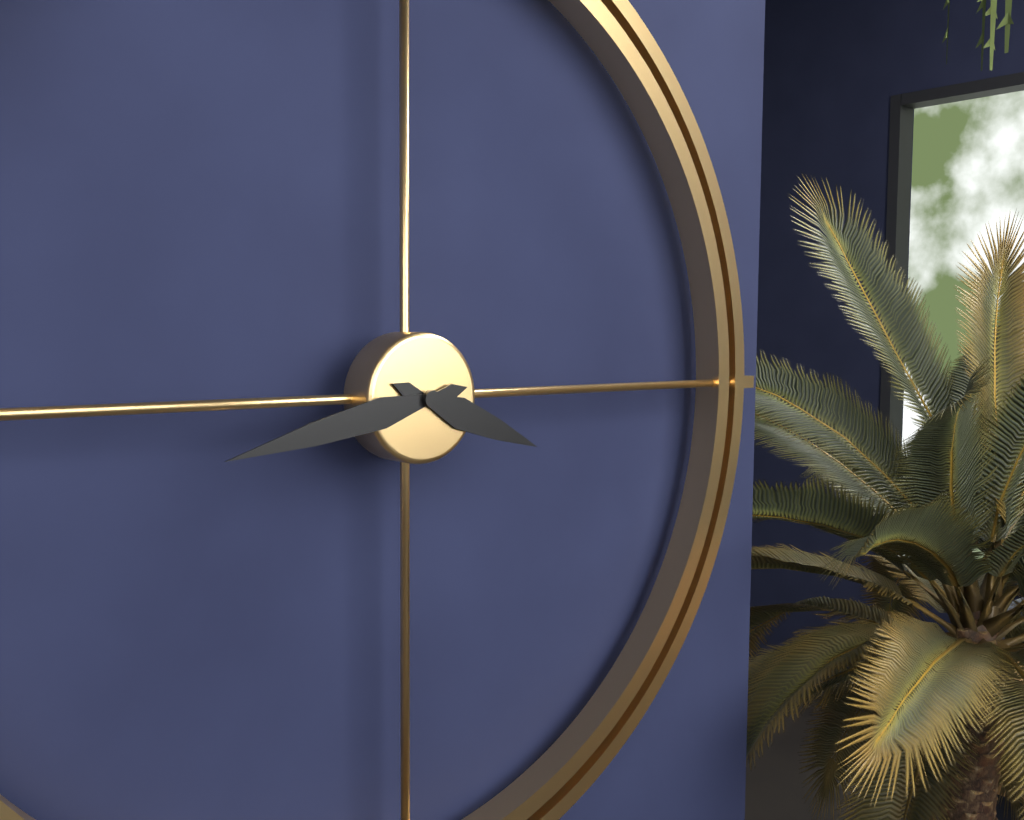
3:43
